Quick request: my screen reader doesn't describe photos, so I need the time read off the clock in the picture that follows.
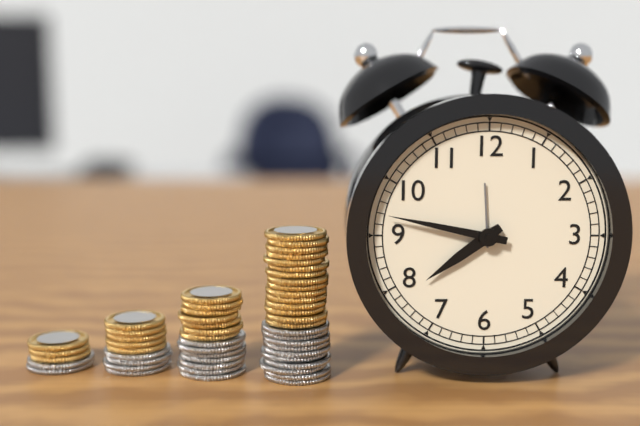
7:47
